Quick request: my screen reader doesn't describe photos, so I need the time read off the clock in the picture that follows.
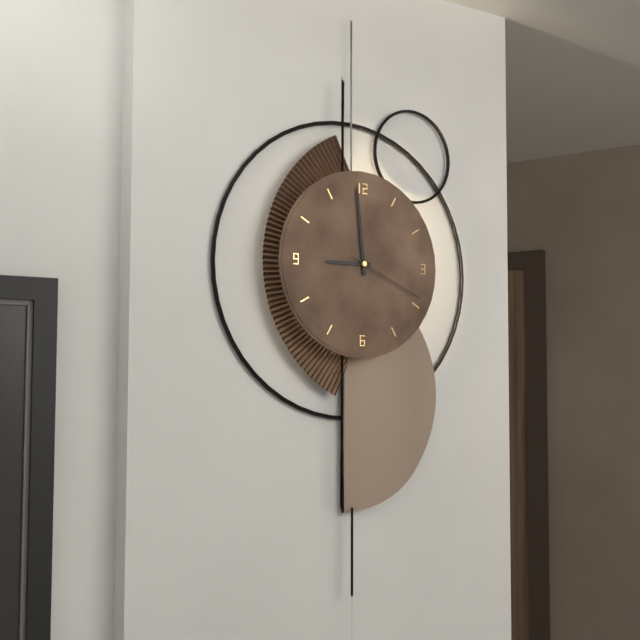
8:59:19
